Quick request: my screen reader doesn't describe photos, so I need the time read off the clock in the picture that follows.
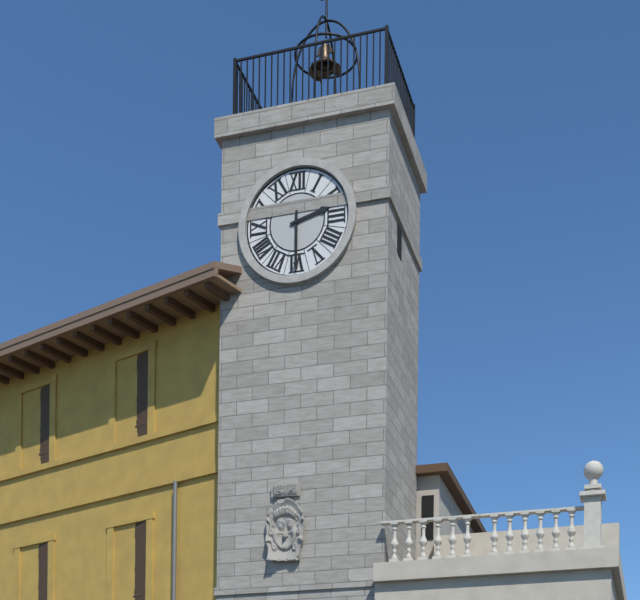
2:30
